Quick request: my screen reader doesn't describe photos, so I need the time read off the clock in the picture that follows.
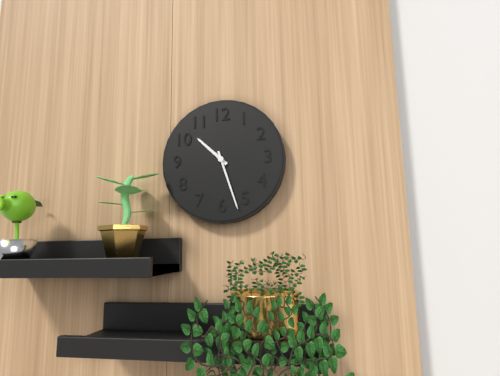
10:27
